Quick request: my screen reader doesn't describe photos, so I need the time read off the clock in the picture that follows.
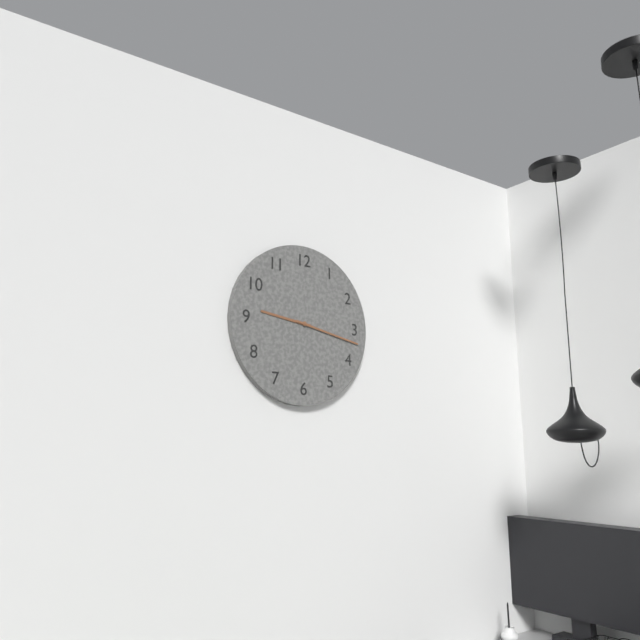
9:17
